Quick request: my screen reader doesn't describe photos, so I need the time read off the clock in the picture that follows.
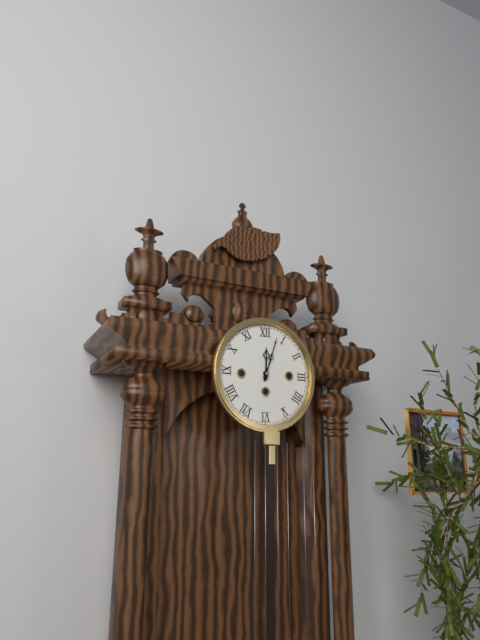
12:03
